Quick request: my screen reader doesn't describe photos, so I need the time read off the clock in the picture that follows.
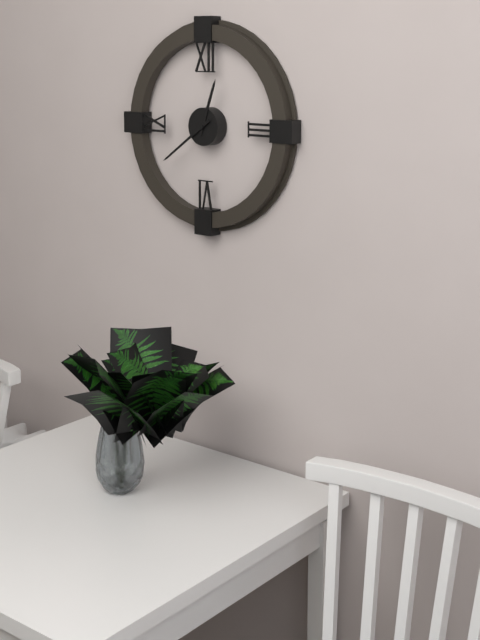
12:39
